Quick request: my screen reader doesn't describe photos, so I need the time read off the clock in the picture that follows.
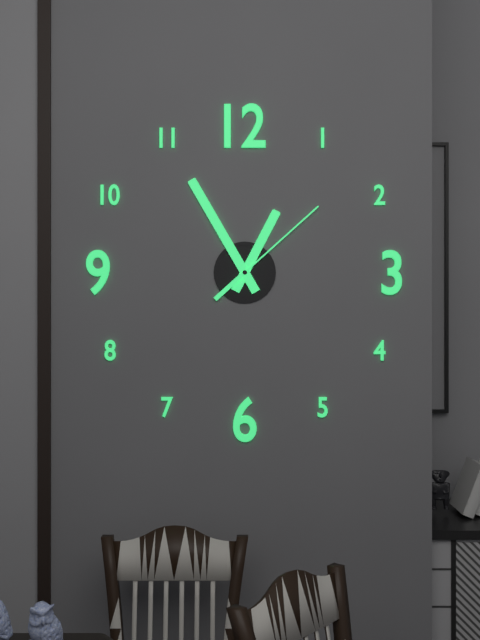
12:55:08
